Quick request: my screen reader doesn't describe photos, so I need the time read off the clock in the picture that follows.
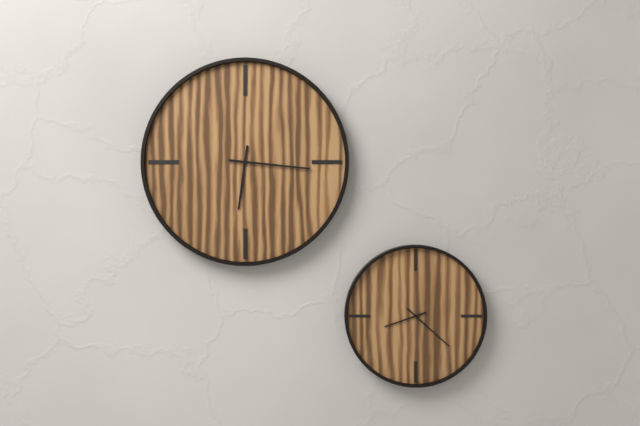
6:16
